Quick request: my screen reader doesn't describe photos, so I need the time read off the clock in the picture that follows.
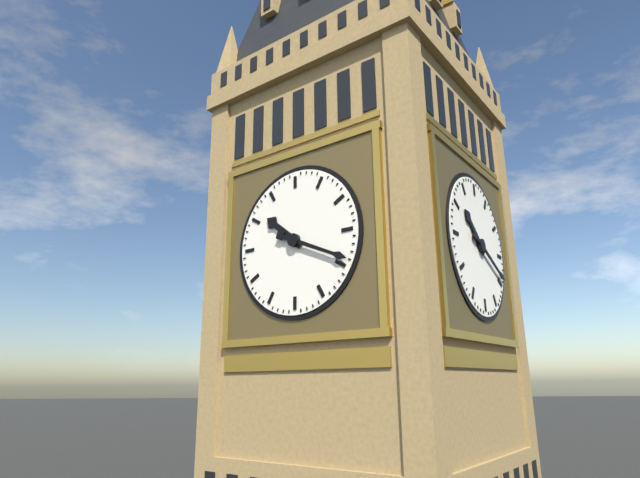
10:19
